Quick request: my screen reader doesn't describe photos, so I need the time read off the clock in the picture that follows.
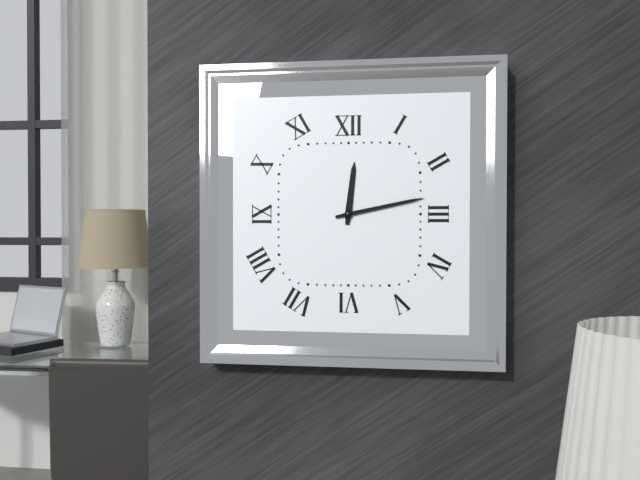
12:13
